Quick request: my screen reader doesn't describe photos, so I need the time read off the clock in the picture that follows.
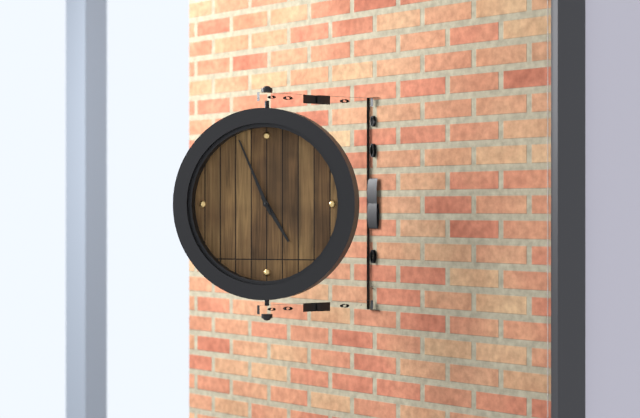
4:56
